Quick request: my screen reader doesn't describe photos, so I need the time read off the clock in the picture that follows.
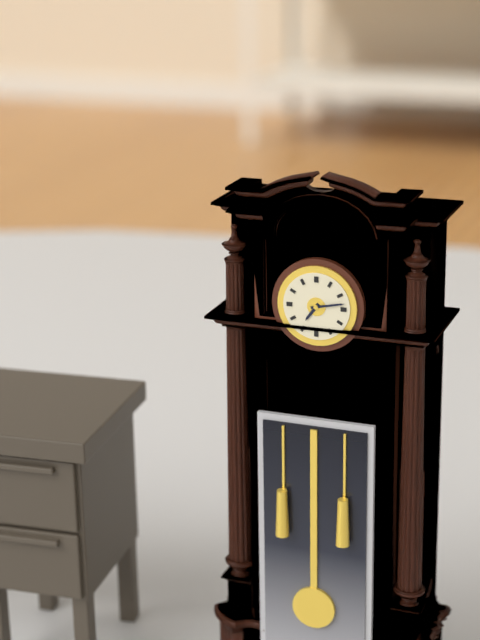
7:13
